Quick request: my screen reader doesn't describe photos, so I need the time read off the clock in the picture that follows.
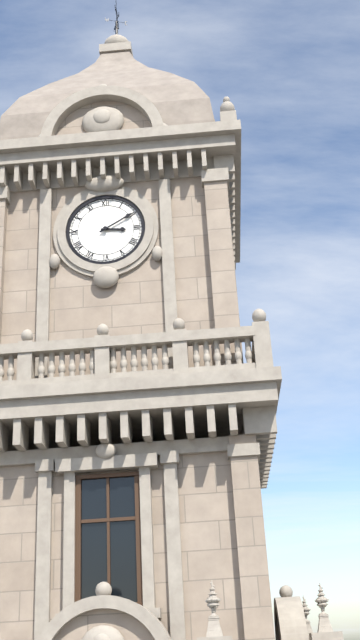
3:10
